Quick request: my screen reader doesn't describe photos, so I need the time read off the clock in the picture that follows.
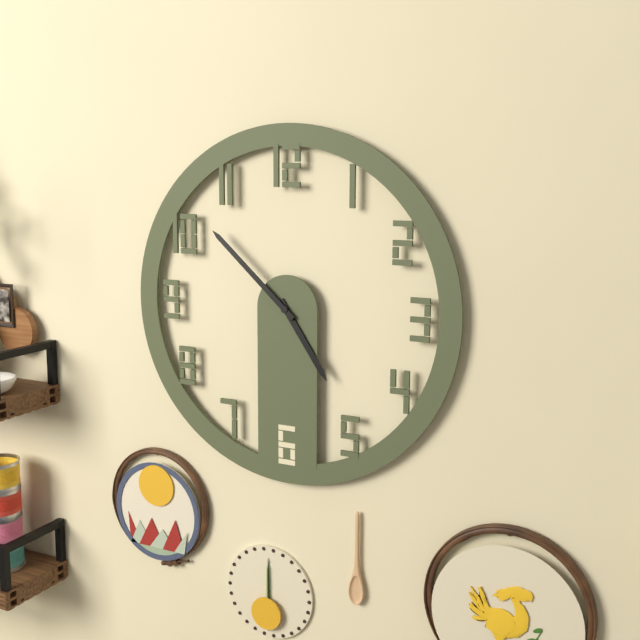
4:52
